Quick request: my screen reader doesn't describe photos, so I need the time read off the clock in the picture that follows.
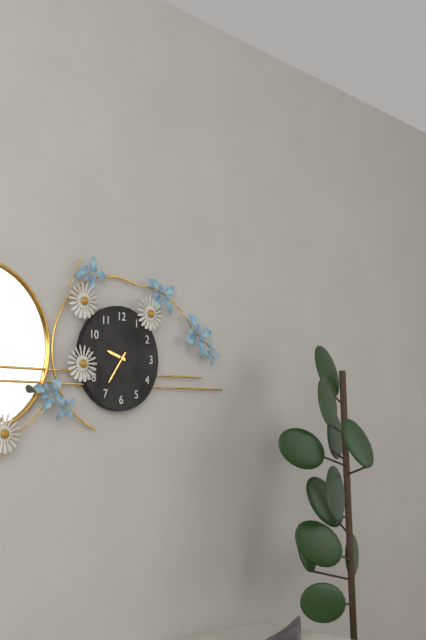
9:36
